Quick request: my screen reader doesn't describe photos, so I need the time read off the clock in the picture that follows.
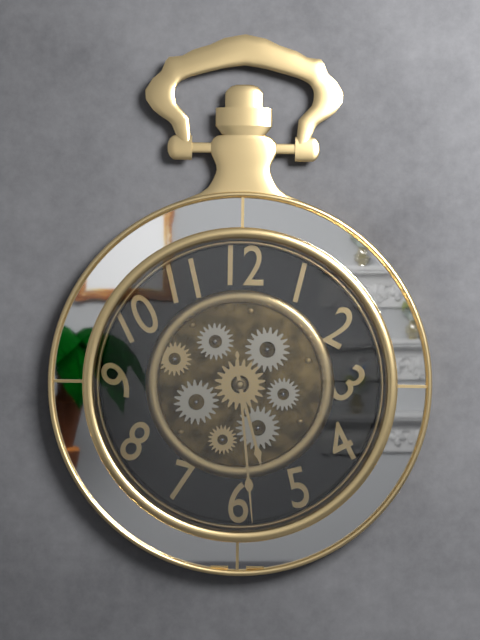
5:29
